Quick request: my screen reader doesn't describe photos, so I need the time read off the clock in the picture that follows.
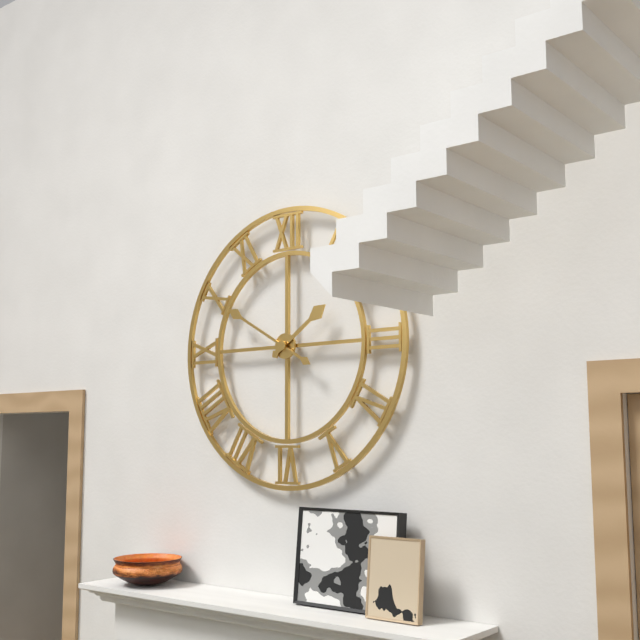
1:50
